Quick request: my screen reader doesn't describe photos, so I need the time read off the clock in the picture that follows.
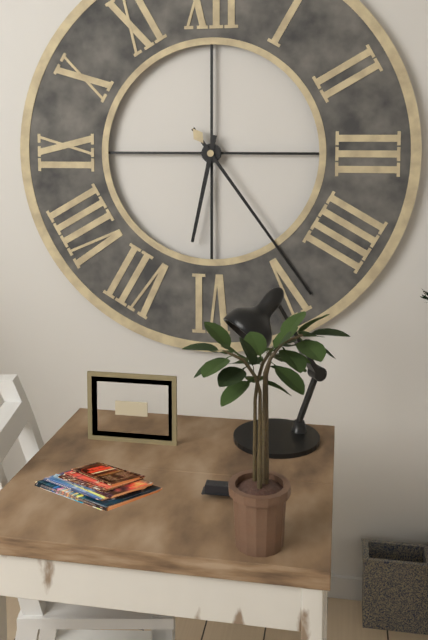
6:24
